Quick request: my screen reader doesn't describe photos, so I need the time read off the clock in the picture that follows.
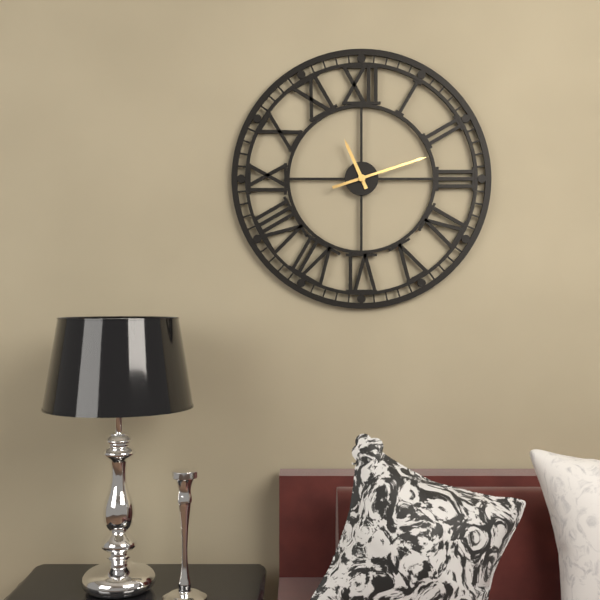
11:12
